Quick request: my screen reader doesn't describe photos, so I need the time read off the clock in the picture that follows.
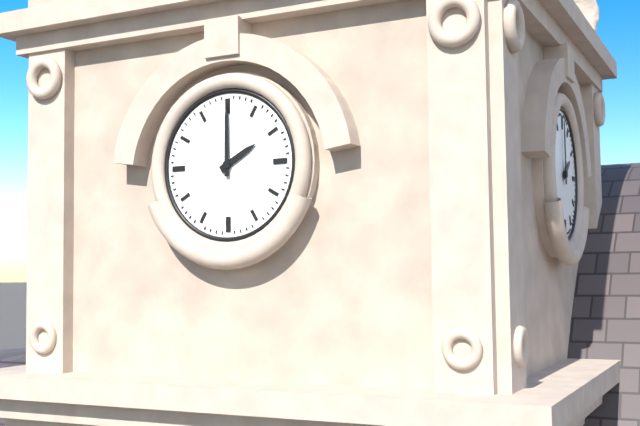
2:00
